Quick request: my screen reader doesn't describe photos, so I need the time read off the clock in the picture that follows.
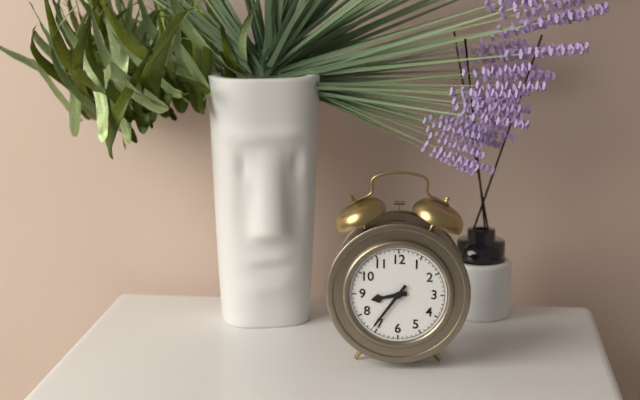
8:36
